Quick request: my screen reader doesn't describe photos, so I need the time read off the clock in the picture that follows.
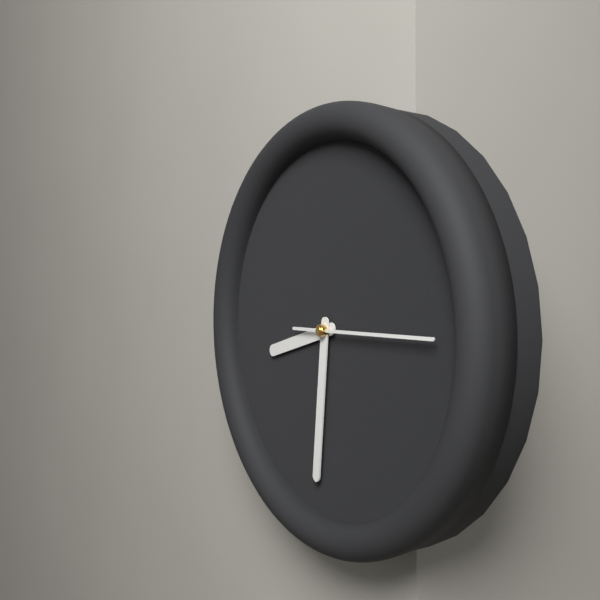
8:31:15
